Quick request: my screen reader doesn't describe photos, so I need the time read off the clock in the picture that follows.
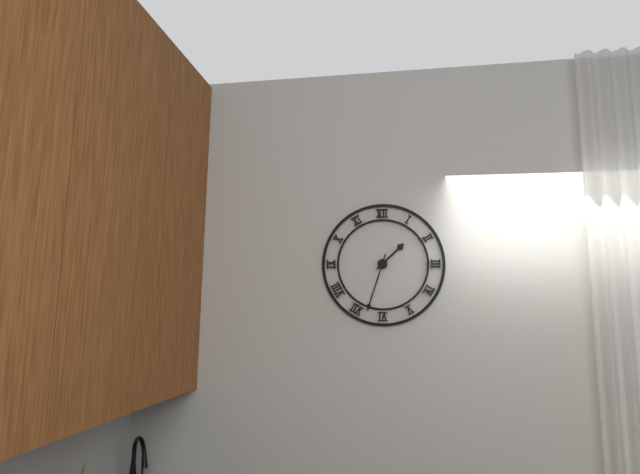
1:33
